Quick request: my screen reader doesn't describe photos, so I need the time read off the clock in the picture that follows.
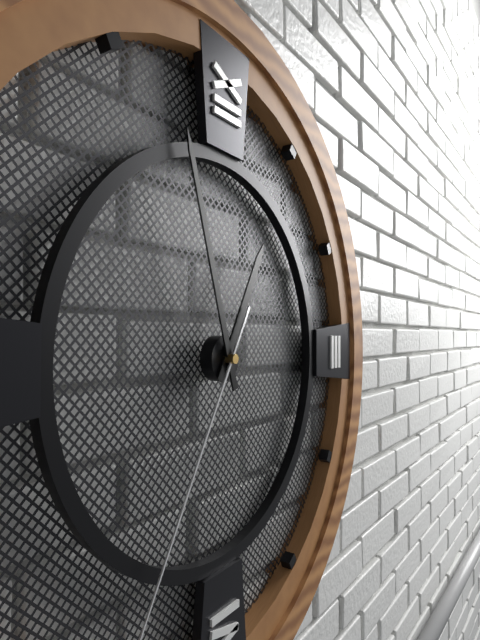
12:57
